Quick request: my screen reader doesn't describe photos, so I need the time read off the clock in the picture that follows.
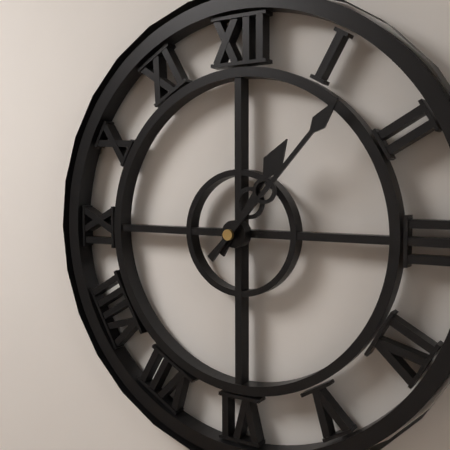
1:07
